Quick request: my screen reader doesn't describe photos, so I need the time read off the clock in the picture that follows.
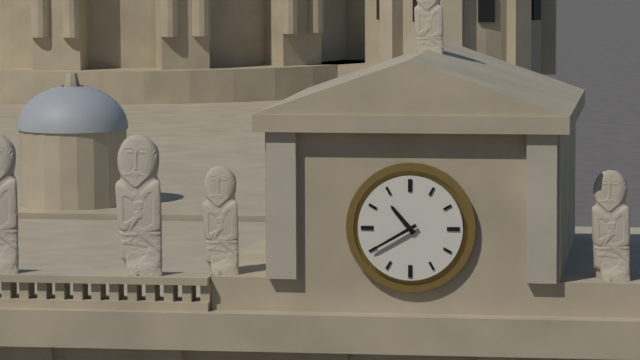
10:40
